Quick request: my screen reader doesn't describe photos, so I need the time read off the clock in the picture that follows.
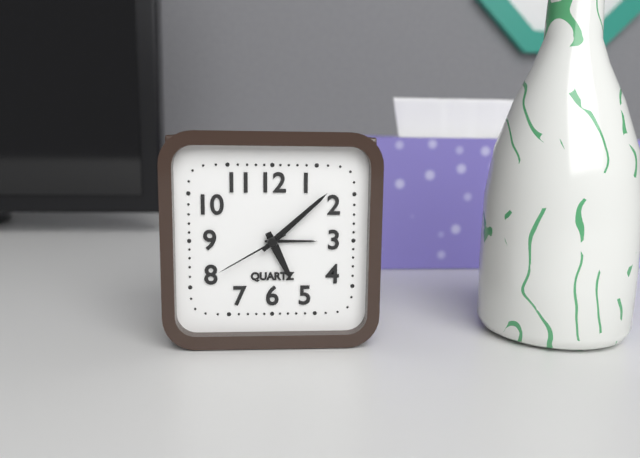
5:08:40
